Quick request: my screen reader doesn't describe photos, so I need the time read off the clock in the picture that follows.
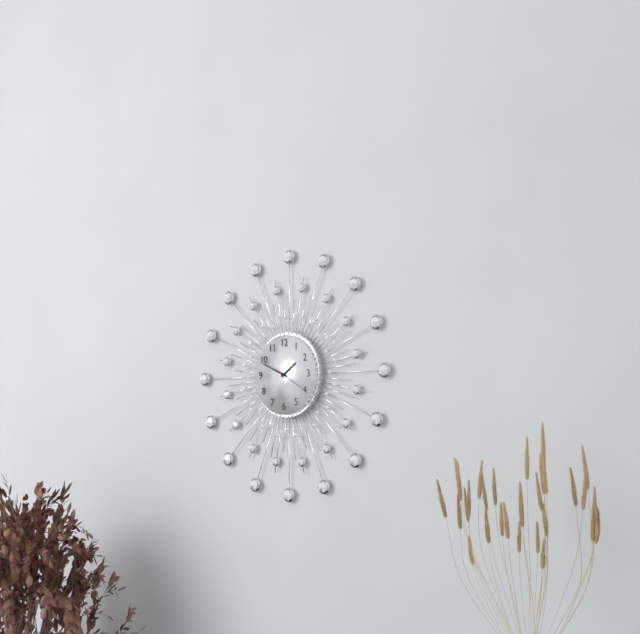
1:49
